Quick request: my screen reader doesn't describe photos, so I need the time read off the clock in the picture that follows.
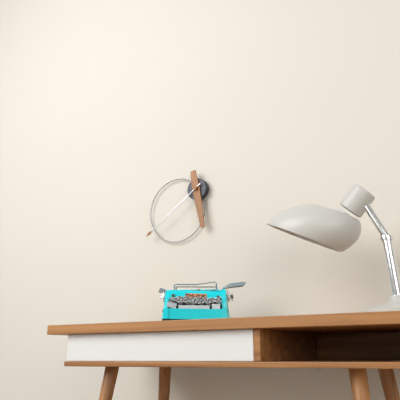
5:39
